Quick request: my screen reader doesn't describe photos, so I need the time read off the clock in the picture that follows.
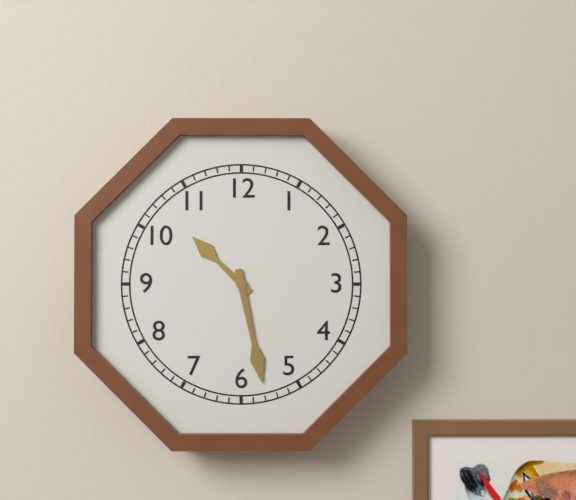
10:28
